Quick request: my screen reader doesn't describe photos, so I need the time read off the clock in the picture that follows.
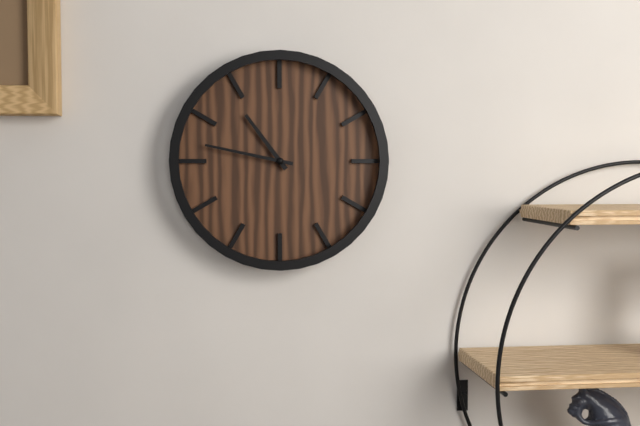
10:47
